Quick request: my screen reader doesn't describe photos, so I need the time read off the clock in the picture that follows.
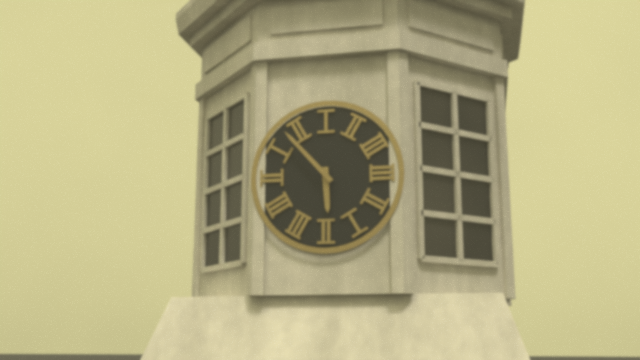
5:53
